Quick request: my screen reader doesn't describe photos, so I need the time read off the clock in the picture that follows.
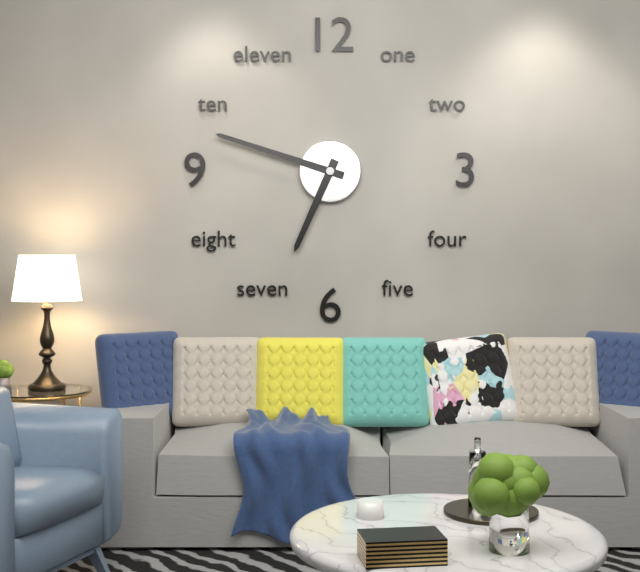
6:48
